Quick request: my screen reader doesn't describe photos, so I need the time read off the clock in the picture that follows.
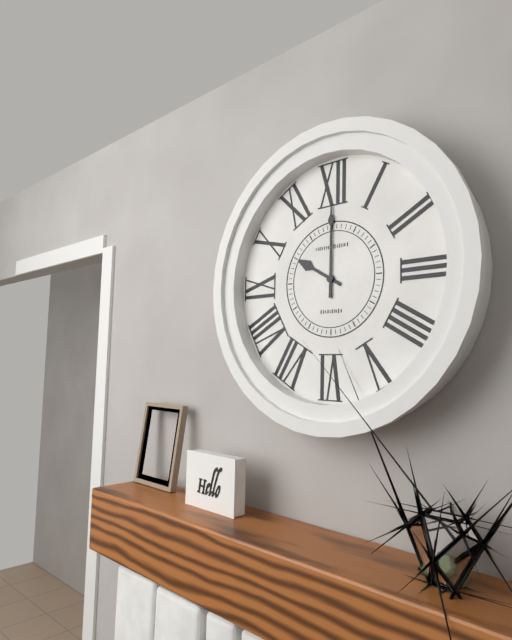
10:00
